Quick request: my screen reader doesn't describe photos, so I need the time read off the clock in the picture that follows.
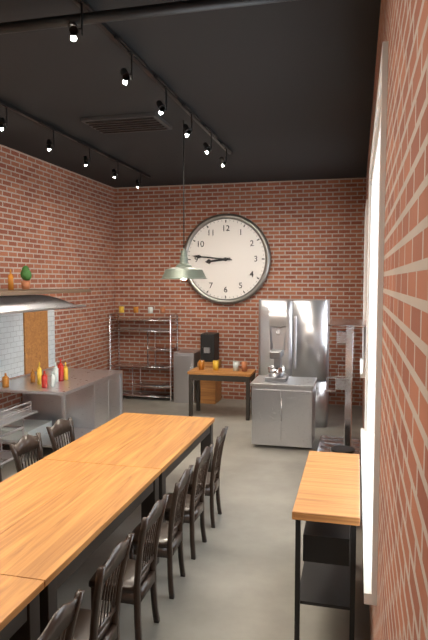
8:46
